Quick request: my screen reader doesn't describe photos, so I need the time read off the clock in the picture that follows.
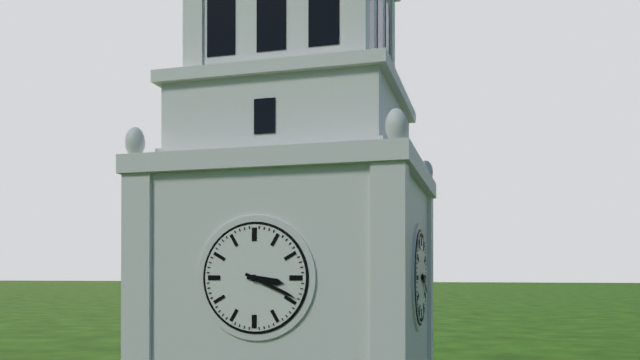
3:19
